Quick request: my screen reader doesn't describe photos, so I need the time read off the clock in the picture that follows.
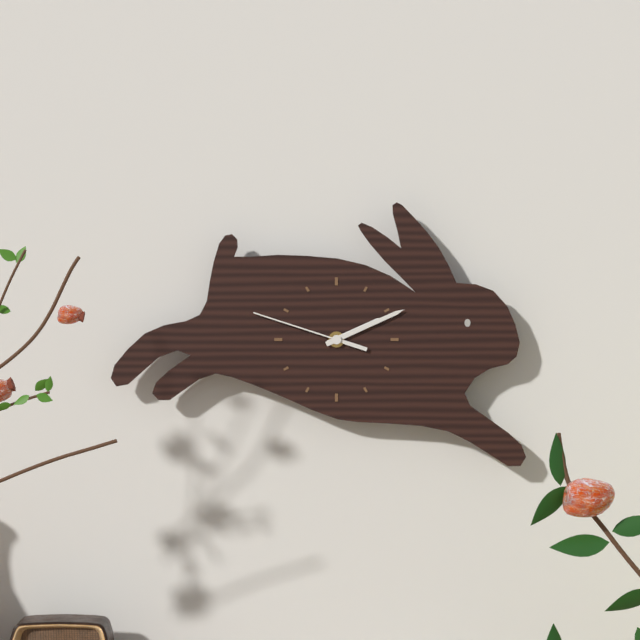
2:11:48
